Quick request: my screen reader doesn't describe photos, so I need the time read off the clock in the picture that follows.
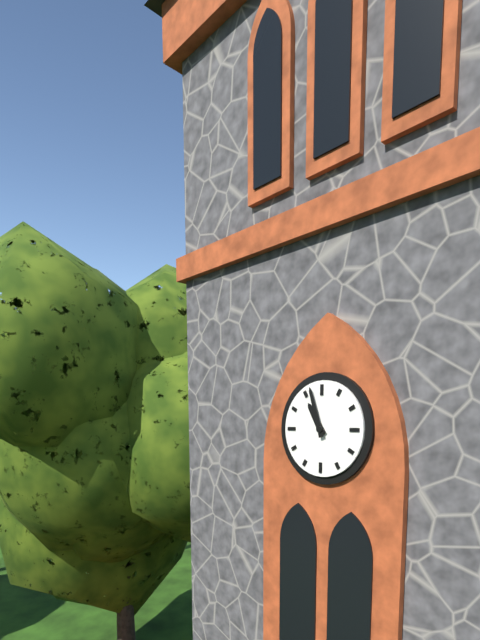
10:57
